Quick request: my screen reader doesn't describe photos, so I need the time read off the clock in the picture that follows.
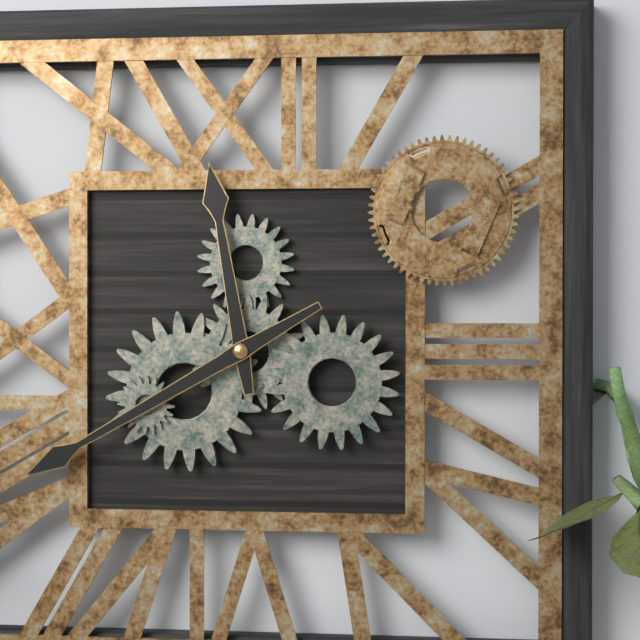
11:40
